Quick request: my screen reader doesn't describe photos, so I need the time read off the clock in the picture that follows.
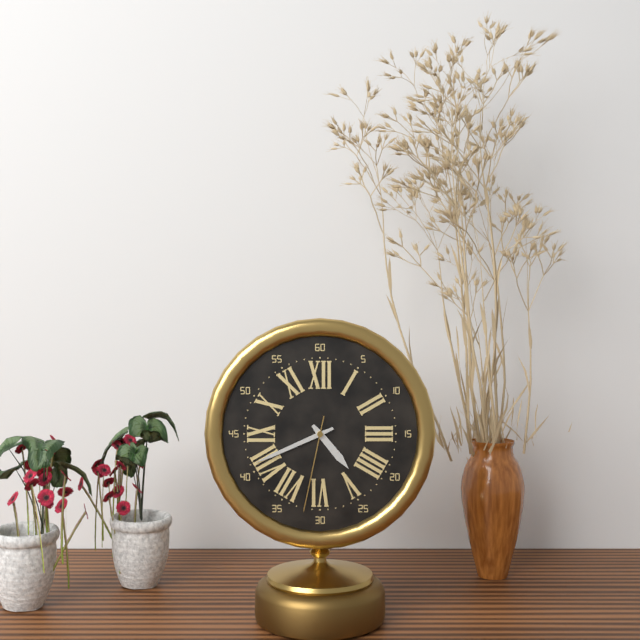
4:41:32
